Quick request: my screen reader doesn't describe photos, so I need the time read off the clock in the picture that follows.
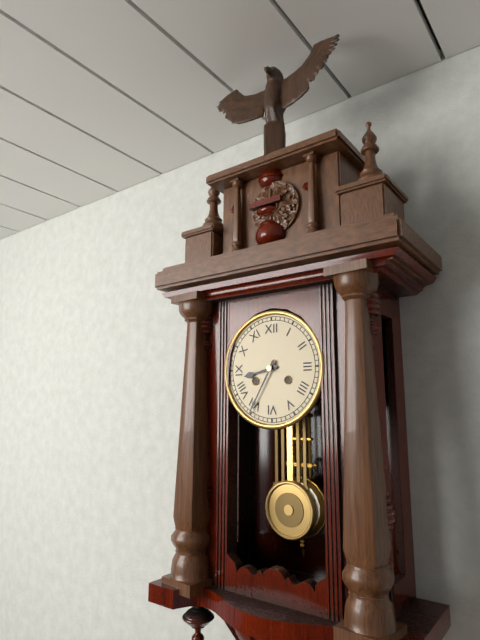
8:35
